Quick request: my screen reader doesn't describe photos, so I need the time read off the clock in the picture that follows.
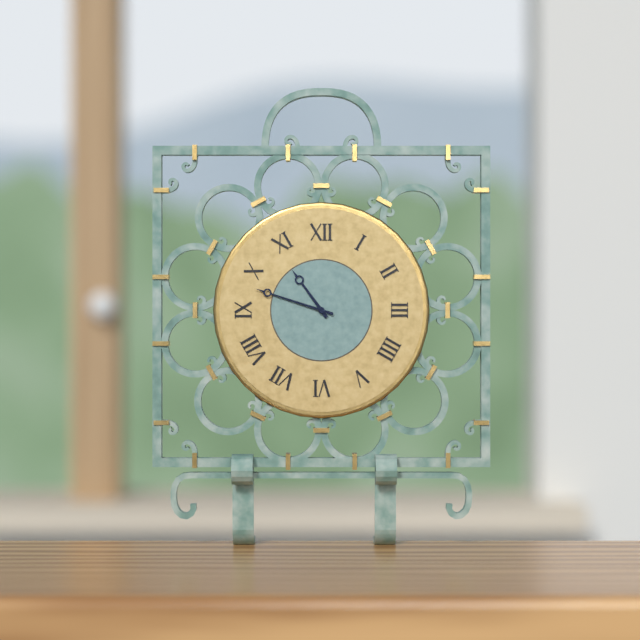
10:48
